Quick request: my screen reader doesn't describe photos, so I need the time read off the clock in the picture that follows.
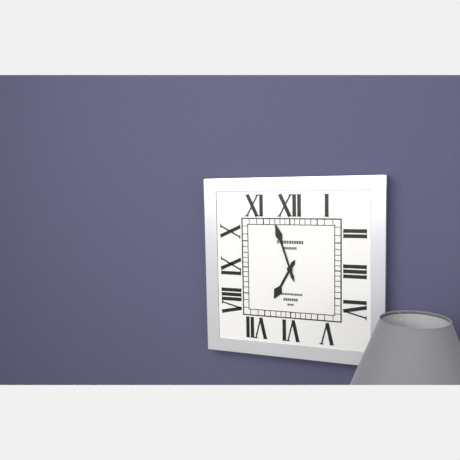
6:57
